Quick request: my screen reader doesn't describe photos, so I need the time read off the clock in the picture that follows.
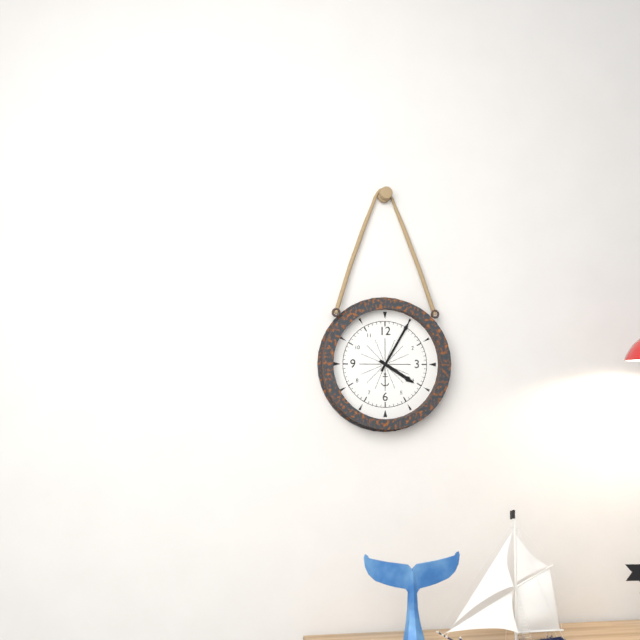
4:05
